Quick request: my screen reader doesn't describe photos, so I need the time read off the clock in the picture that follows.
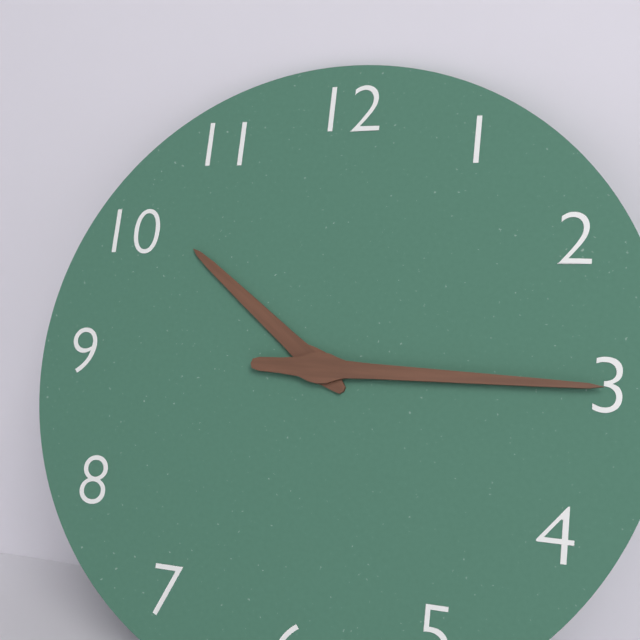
10:15
